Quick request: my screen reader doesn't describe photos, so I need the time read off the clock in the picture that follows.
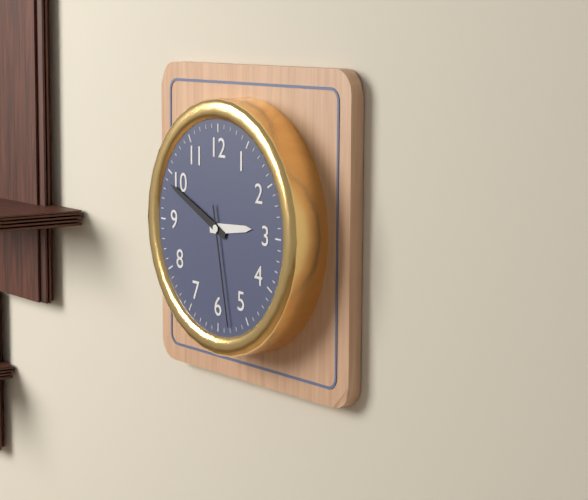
2:49:28
